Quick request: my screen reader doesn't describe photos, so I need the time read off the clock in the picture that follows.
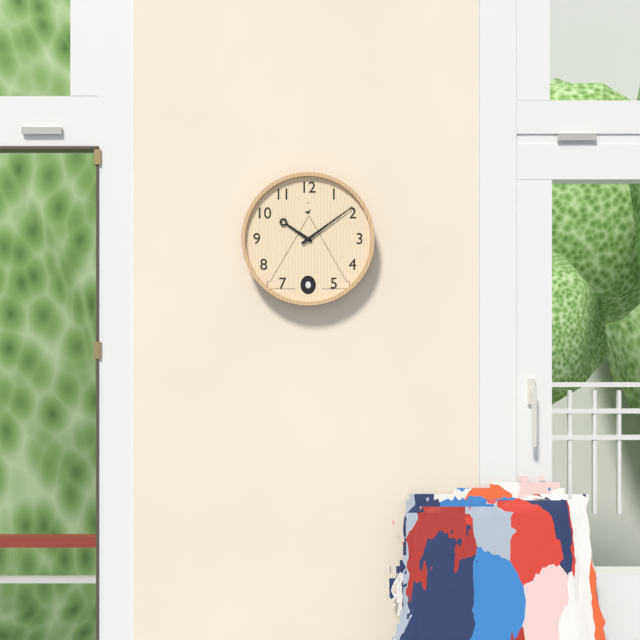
10:09
